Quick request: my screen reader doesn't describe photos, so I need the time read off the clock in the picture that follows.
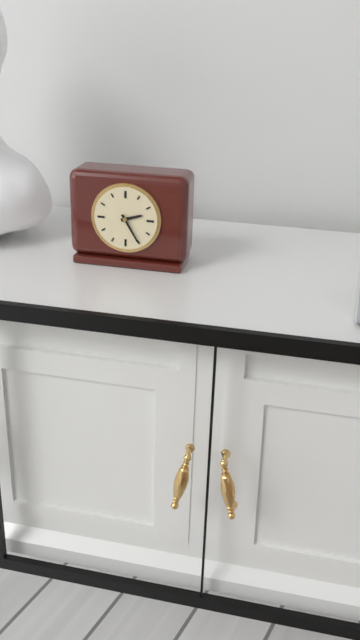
2:25
